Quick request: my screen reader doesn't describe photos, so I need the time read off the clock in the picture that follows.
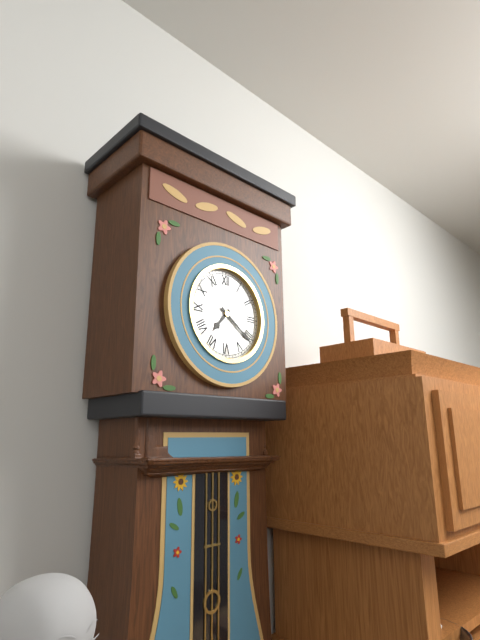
7:21
